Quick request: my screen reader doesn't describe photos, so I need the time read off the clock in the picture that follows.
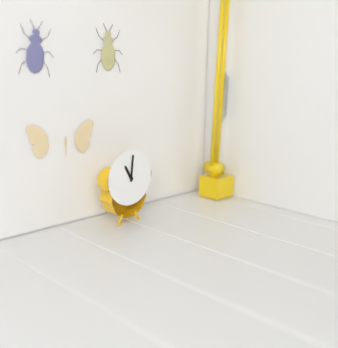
11:01
